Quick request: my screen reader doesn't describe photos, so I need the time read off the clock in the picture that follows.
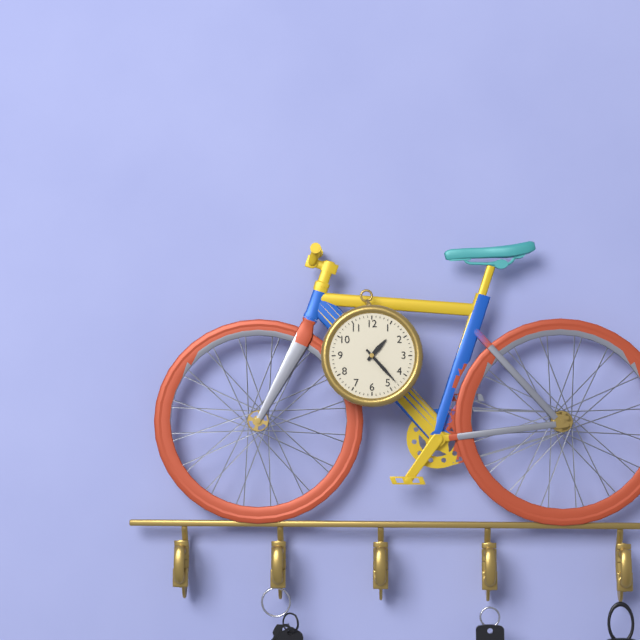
1:23
